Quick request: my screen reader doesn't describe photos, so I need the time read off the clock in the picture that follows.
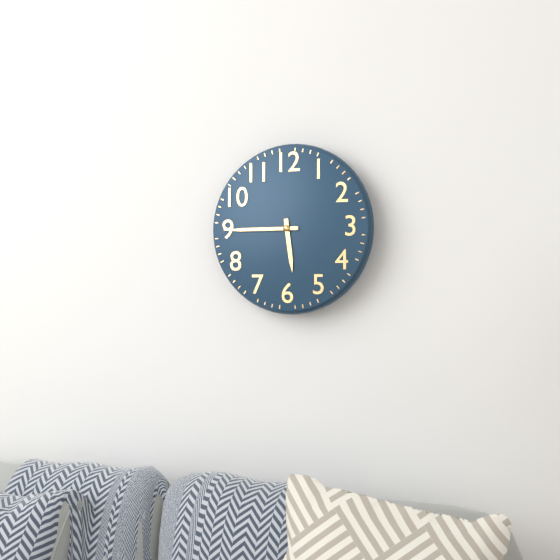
5:45
